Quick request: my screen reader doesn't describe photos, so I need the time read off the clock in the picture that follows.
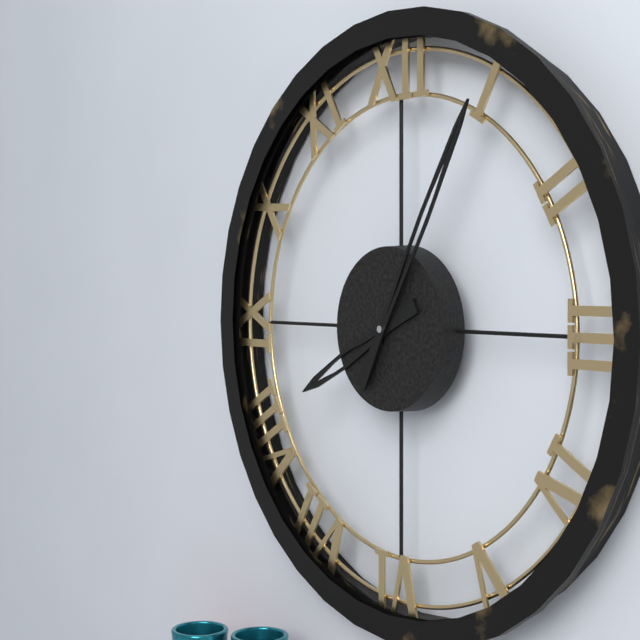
8:05
